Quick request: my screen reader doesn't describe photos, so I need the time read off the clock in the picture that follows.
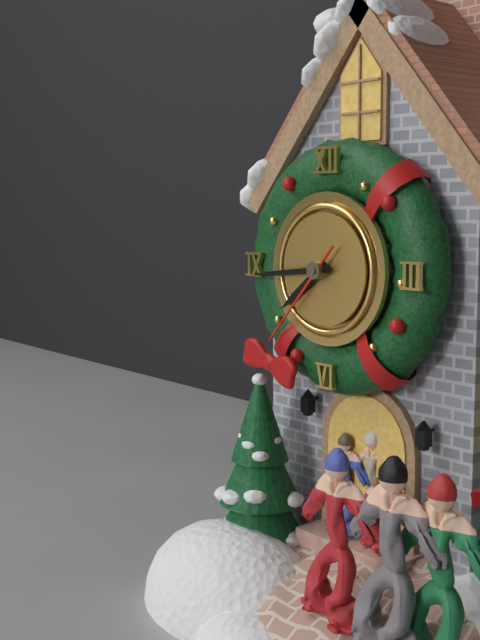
7:44:37
